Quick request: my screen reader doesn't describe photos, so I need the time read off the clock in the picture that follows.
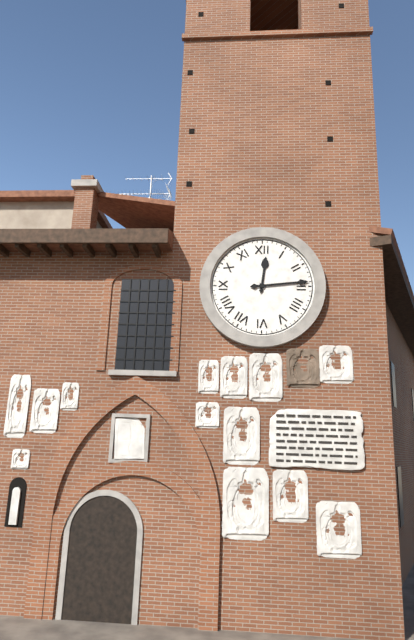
12:14
